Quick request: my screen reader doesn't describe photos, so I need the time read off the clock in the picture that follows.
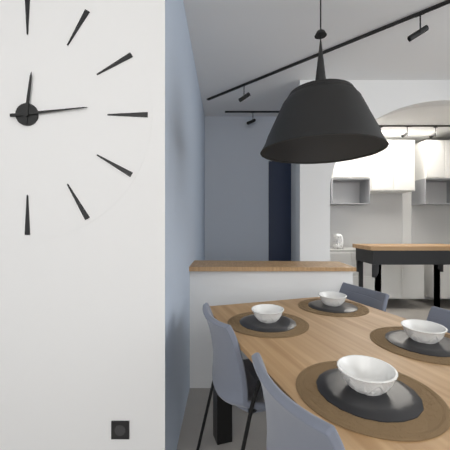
12:14
